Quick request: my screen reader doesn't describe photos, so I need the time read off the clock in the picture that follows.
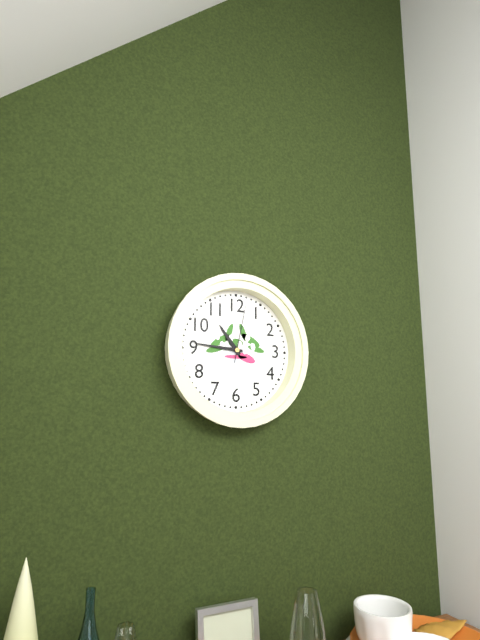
10:46:02
